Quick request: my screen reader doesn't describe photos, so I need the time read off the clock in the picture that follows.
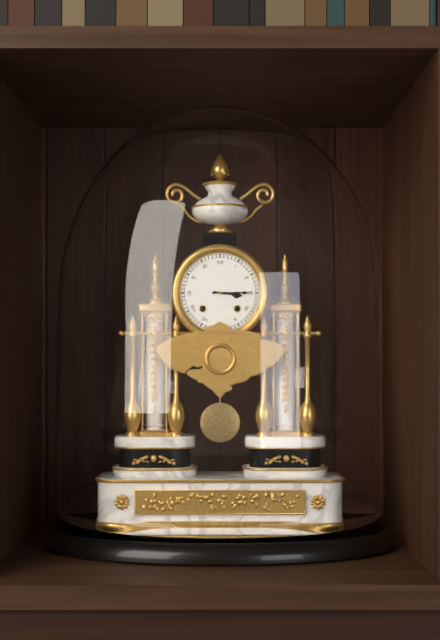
3:15
